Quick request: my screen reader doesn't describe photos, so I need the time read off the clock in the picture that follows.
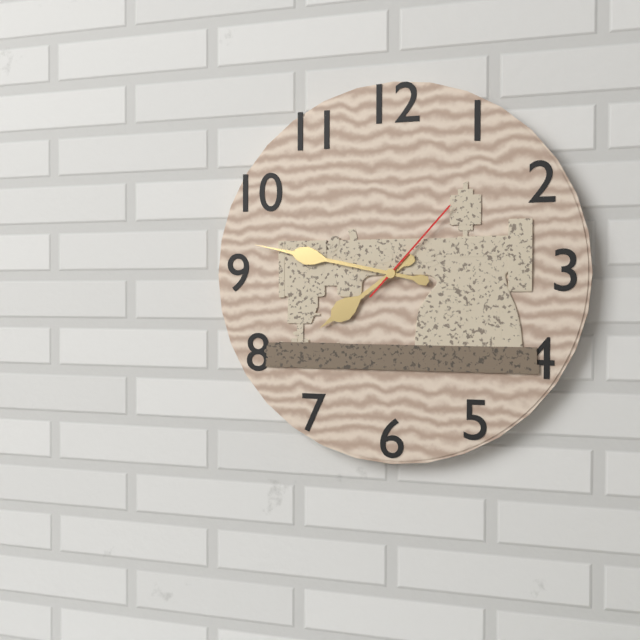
7:47:07
